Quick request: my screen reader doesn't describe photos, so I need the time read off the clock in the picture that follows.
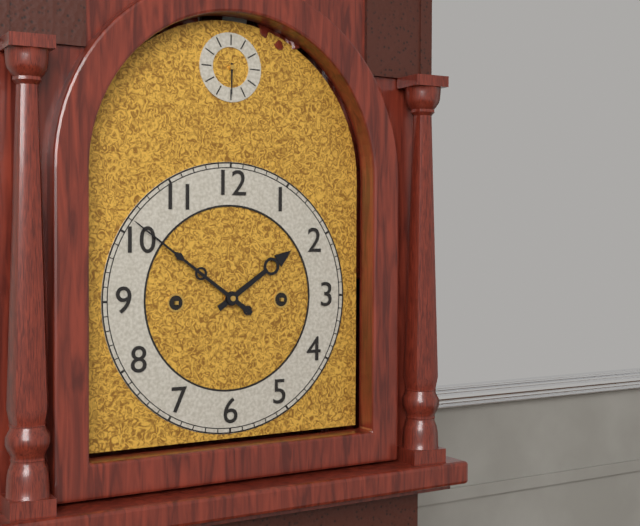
1:51
